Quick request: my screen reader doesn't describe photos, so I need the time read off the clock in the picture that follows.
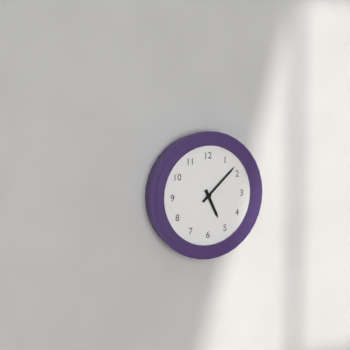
5:08
